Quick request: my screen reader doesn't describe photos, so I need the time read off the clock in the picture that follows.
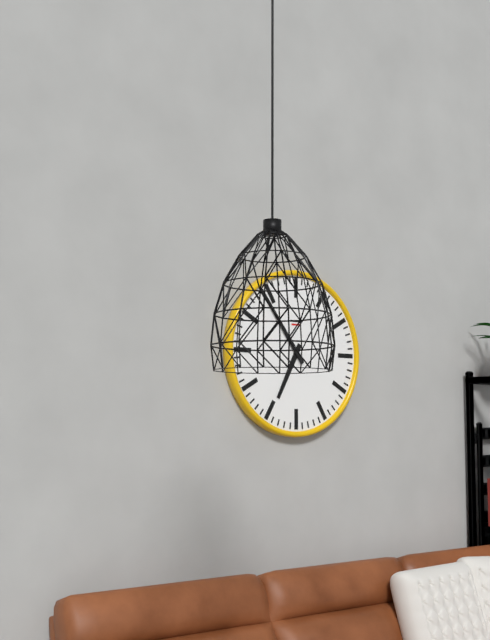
6:54
